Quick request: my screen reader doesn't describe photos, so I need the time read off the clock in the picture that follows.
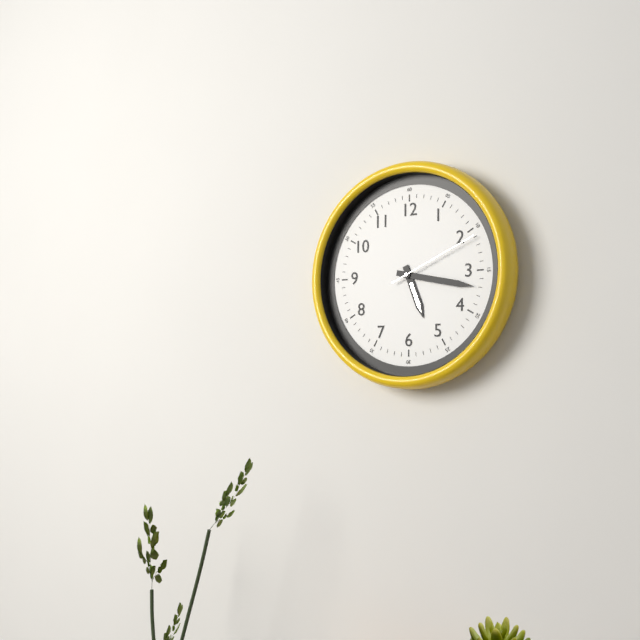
5:17:11
